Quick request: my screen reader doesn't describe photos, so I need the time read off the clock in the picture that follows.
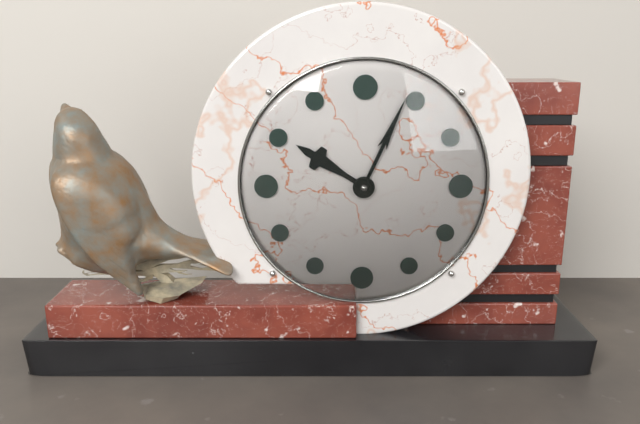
10:04
